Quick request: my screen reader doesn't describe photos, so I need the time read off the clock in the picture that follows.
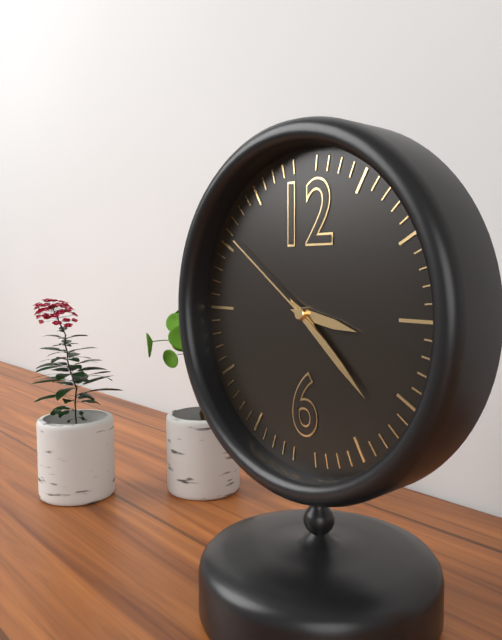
3:22:51
